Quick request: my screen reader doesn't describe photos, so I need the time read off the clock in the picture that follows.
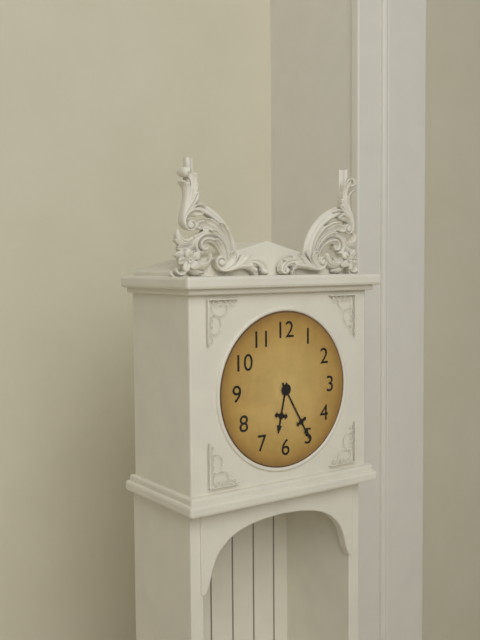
6:25
